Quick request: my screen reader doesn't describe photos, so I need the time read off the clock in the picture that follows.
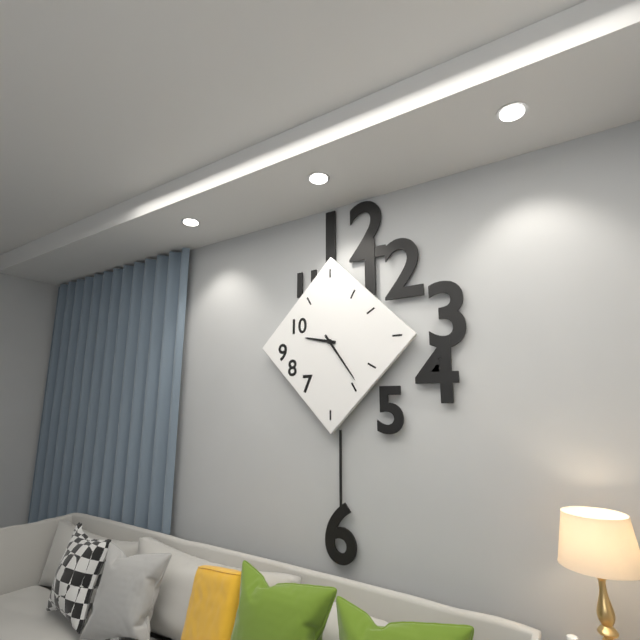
9:24
